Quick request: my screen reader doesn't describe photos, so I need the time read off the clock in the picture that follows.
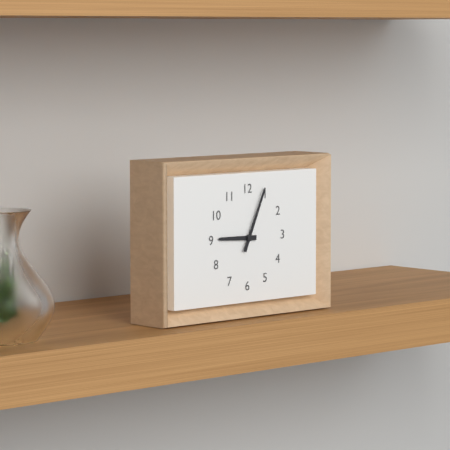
9:04
